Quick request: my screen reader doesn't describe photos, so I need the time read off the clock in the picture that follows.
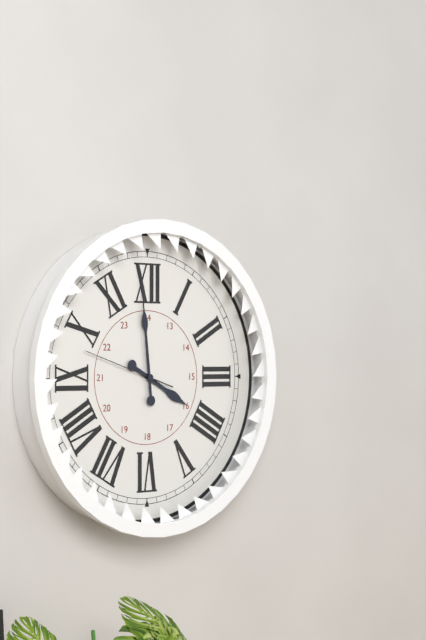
3:59:48
